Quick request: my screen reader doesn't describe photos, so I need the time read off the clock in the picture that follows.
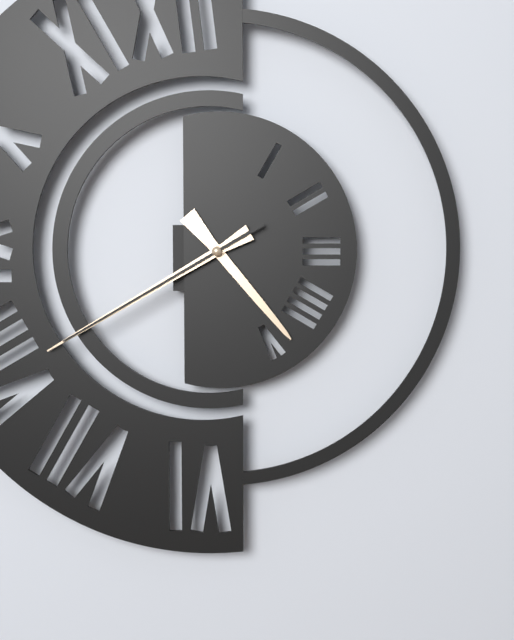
4:40:40
